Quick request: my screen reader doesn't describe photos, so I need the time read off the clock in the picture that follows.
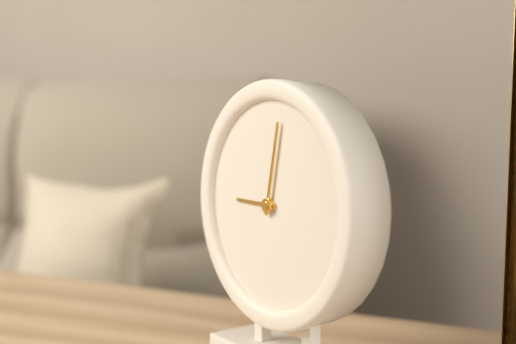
9:02
